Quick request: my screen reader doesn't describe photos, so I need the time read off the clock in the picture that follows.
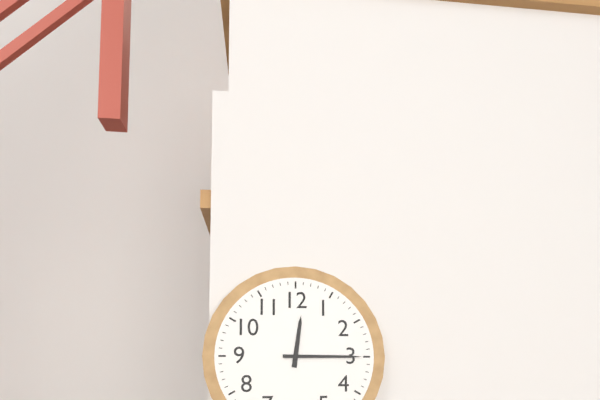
12:15
